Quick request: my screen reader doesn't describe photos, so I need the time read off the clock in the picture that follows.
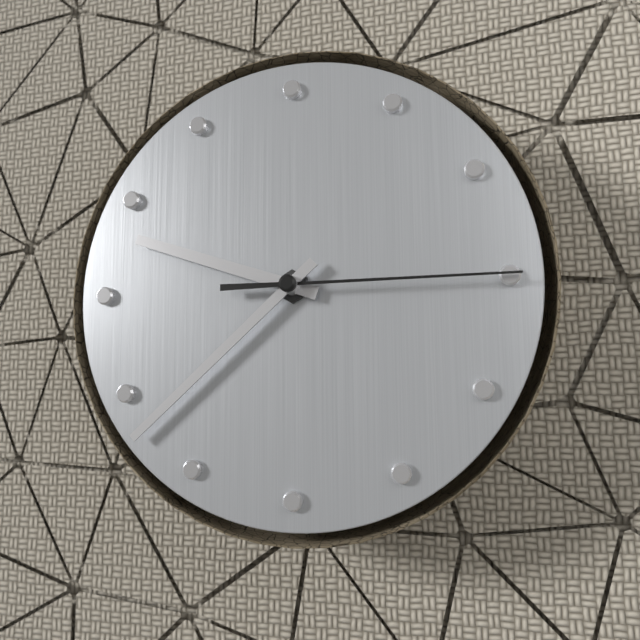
9:38:15
